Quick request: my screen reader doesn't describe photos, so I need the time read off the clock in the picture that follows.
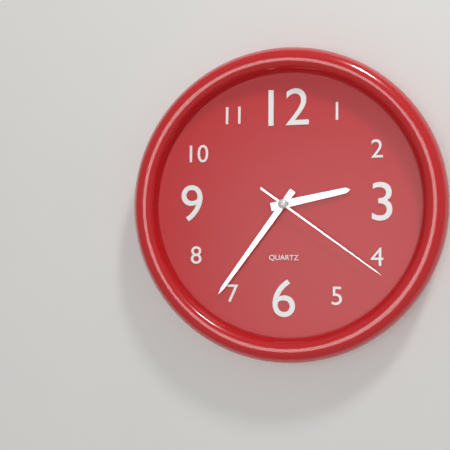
2:36:21
